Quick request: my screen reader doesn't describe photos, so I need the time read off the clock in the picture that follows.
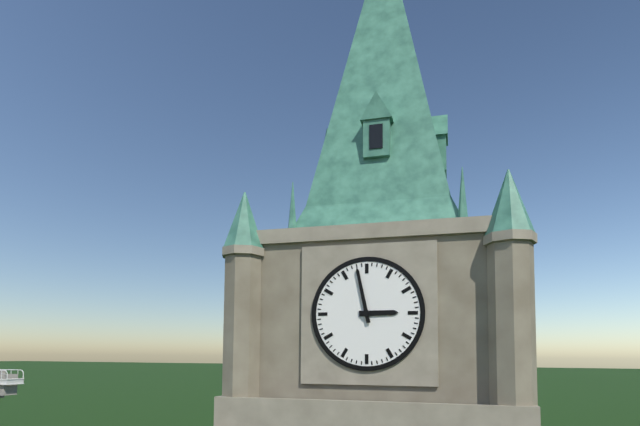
2:58
